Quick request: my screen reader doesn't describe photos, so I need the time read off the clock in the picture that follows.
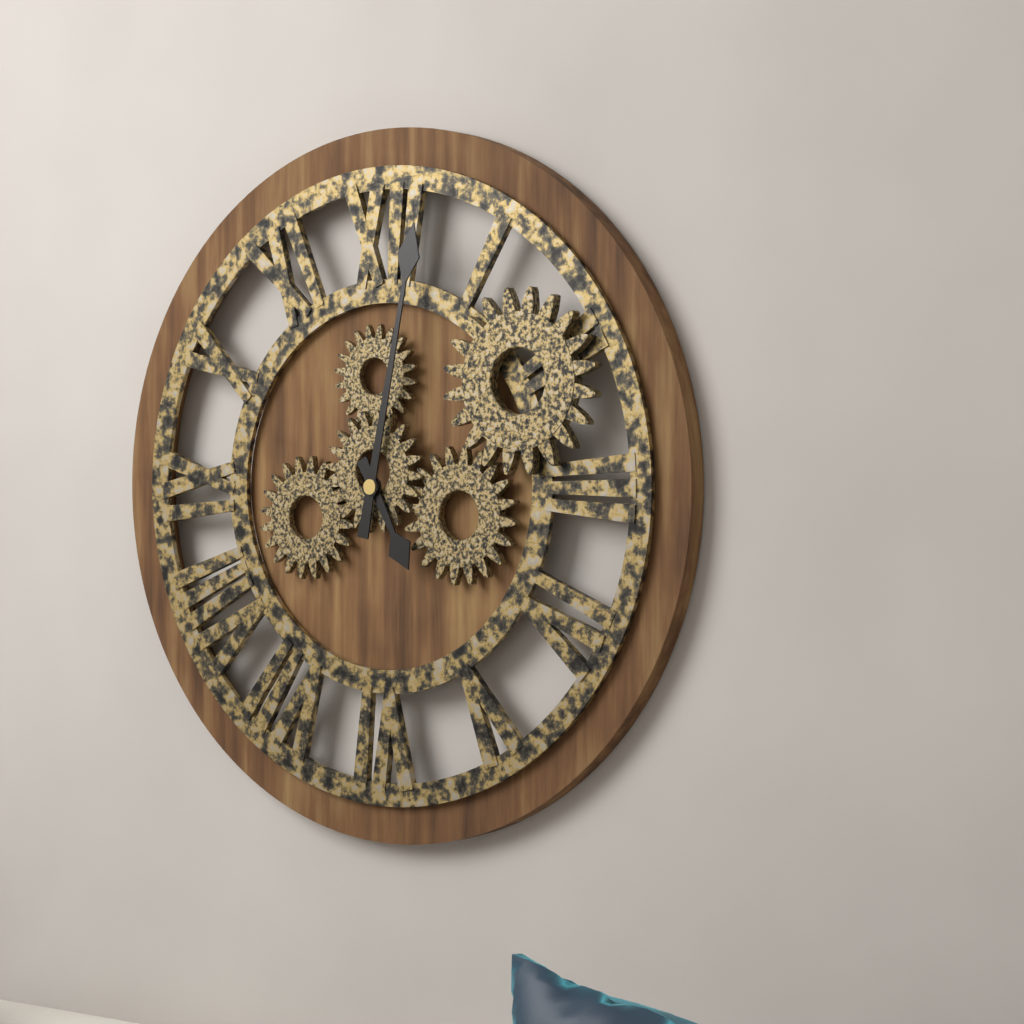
5:02
